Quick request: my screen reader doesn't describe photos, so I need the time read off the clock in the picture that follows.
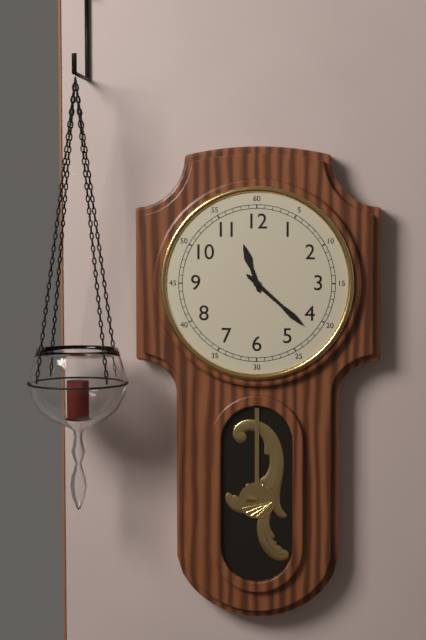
11:22
